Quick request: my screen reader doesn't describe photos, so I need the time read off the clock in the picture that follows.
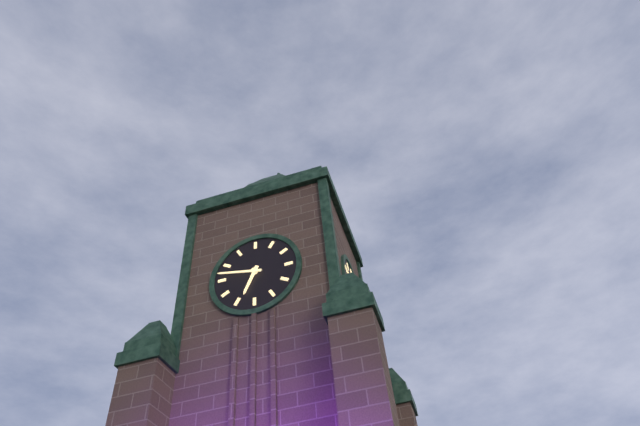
6:47
